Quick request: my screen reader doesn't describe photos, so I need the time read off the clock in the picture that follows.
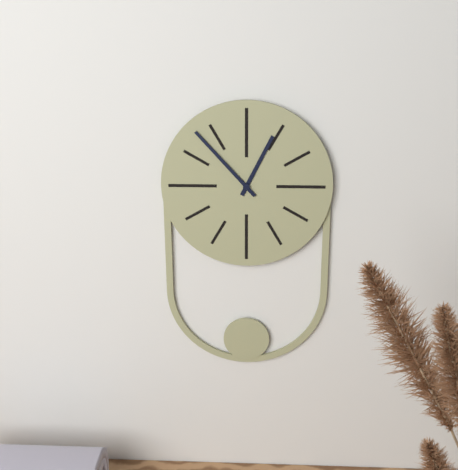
12:53
